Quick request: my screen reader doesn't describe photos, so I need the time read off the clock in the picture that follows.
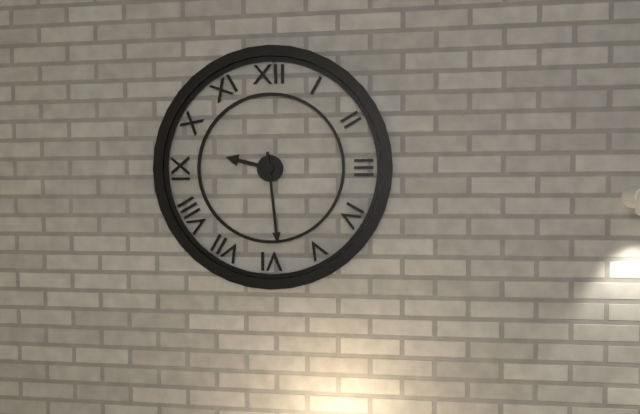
9:29
